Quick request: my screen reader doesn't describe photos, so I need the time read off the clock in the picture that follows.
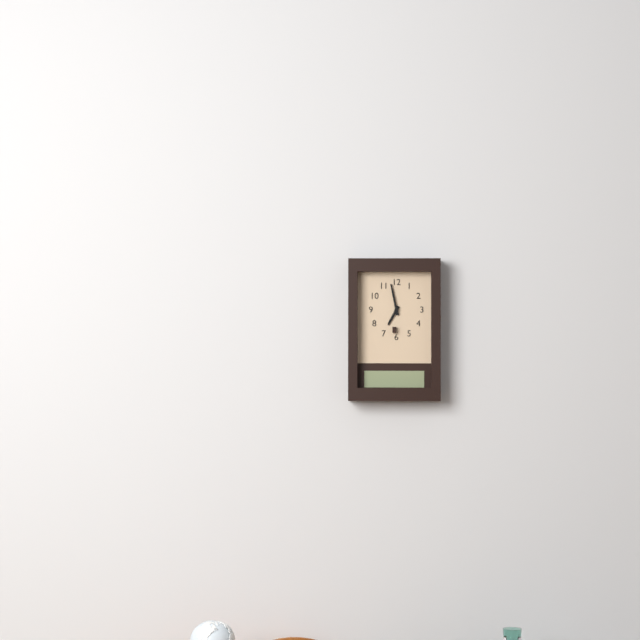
6:58
